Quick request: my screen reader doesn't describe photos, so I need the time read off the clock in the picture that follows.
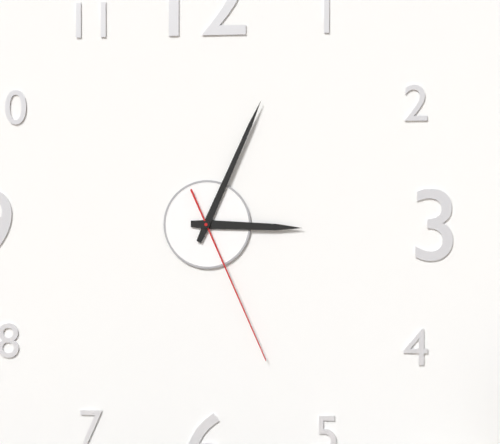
3:04:26
